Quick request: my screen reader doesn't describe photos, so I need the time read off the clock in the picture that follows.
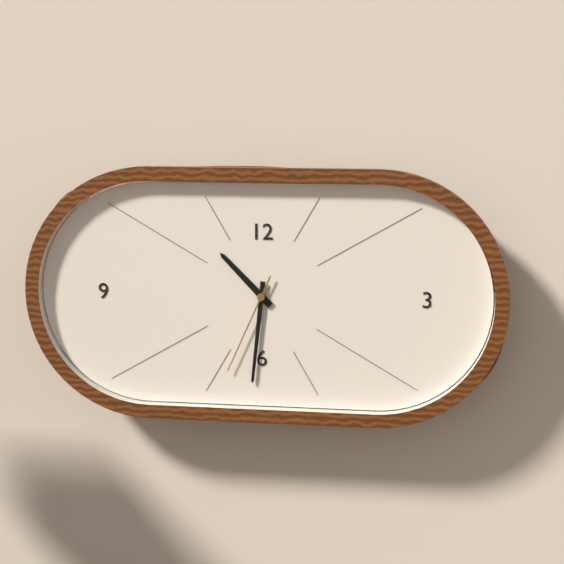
10:31:34
